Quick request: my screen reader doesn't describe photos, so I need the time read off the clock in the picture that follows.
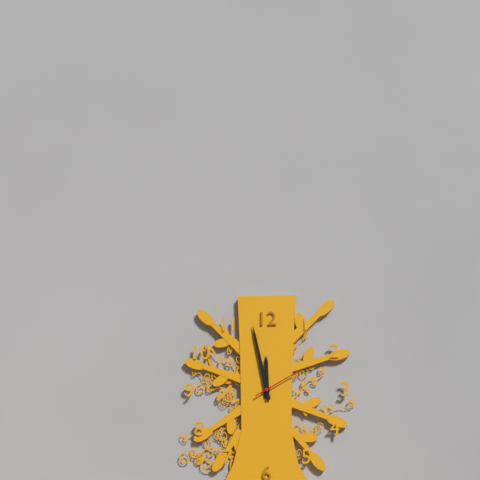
11:58:10
